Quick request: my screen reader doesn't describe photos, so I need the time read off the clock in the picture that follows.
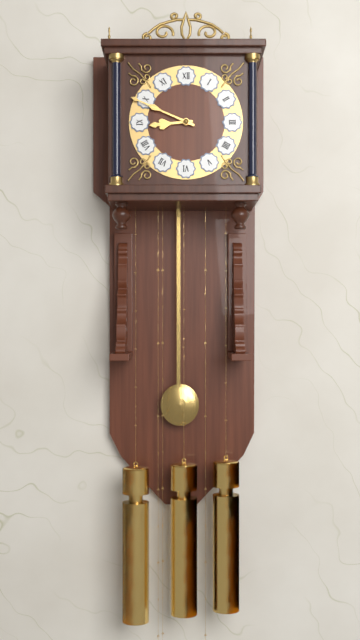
8:49
